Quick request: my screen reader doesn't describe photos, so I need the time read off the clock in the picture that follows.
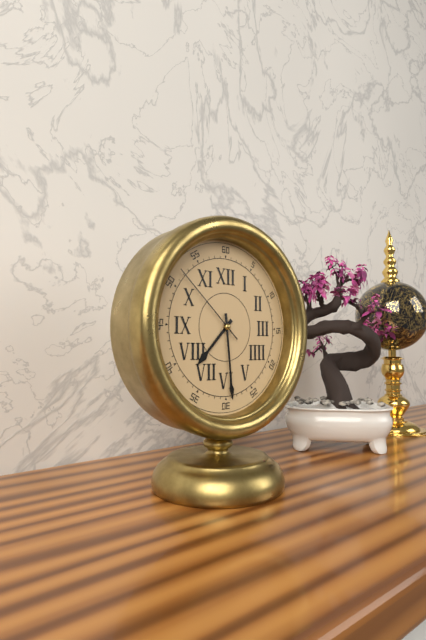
7:29:52
